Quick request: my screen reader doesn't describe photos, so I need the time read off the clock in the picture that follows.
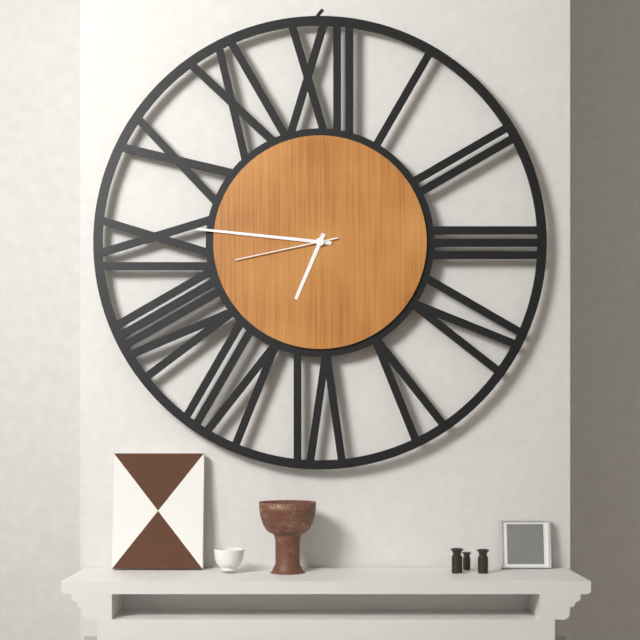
6:46:43
